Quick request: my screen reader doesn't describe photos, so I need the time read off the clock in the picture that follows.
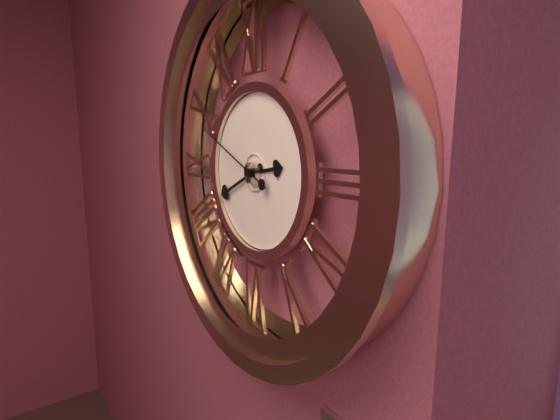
2:41:49
